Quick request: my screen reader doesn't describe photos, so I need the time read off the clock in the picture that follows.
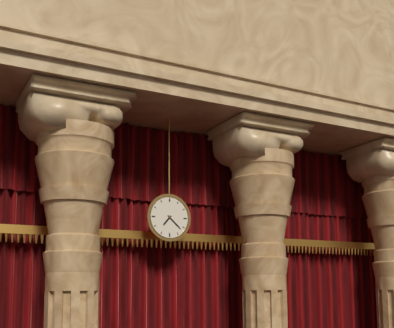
7:22
